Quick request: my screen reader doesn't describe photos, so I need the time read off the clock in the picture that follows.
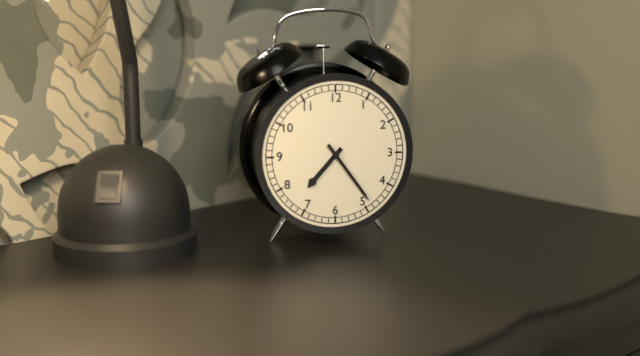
7:24
